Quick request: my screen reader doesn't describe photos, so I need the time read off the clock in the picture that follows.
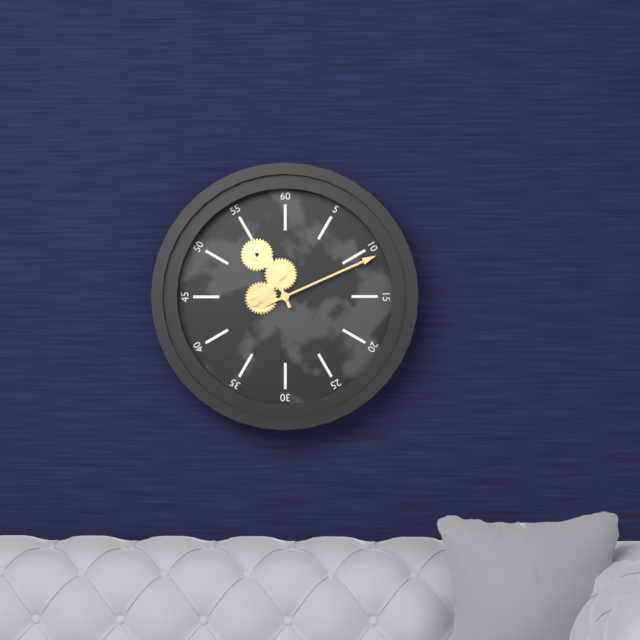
11:11
